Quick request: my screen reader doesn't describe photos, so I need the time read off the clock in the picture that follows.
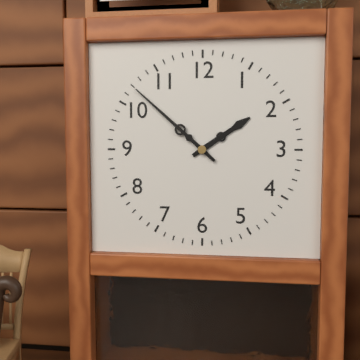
1:52
